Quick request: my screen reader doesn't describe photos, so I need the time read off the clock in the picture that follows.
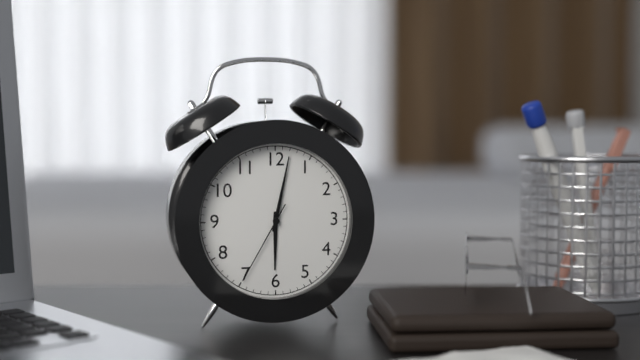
6:02:35
